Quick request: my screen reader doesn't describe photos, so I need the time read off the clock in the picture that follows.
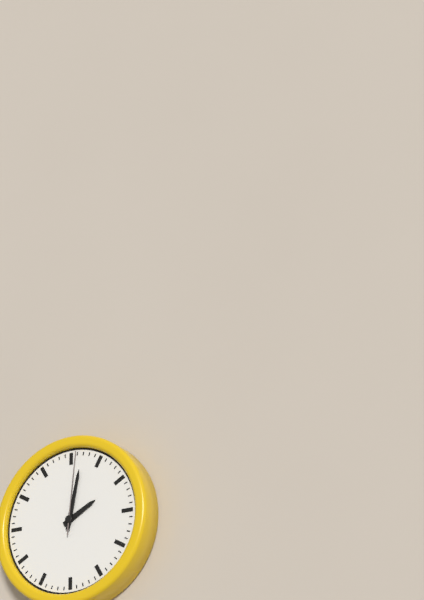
2:02:01
